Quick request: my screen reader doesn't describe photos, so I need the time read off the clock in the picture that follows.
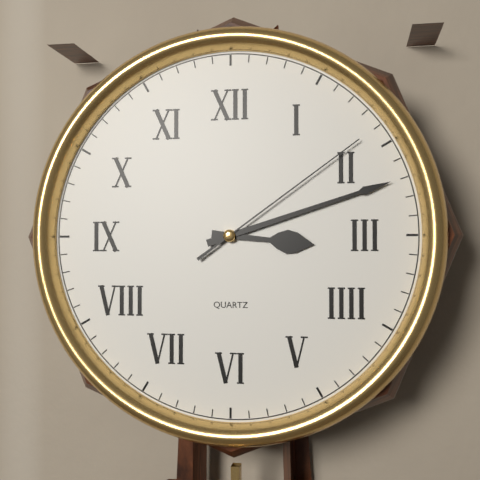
3:12:09
